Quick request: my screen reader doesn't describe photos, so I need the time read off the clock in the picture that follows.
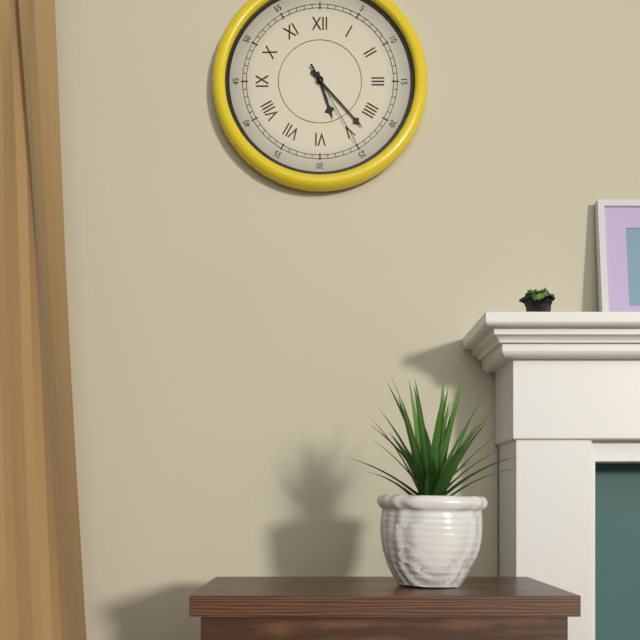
5:23:25
